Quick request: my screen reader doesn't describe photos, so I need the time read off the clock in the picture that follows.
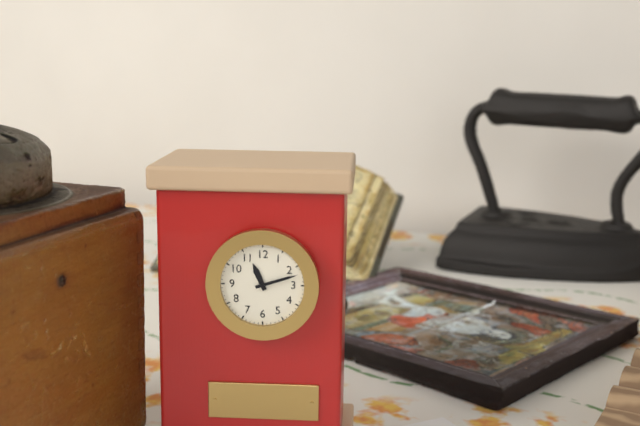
11:12
